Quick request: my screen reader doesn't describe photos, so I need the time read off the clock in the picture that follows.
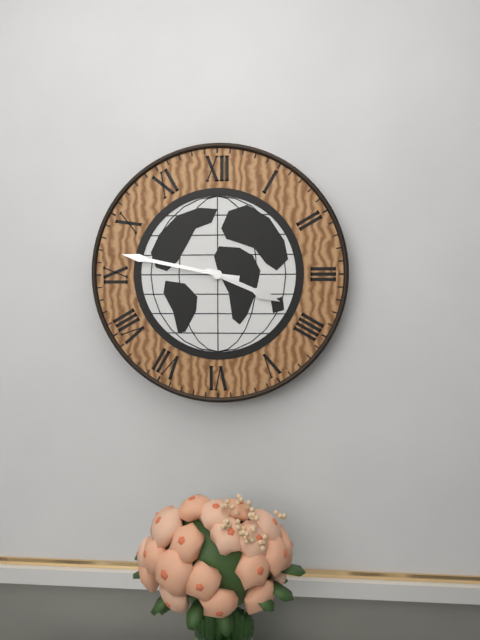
3:47
